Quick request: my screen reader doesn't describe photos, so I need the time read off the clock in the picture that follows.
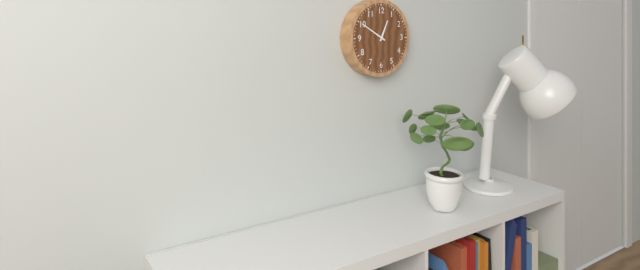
12:50
